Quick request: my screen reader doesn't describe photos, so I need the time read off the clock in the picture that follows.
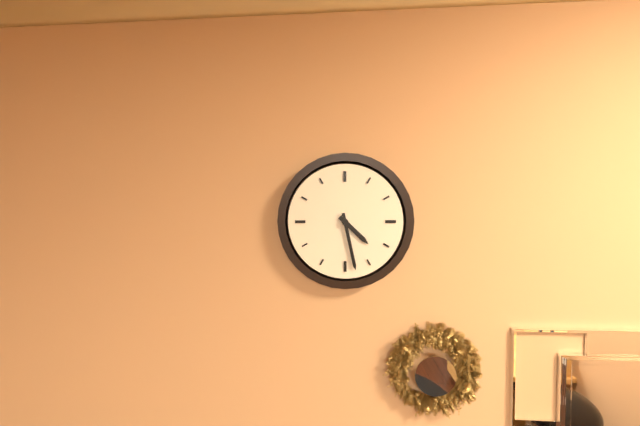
4:28
